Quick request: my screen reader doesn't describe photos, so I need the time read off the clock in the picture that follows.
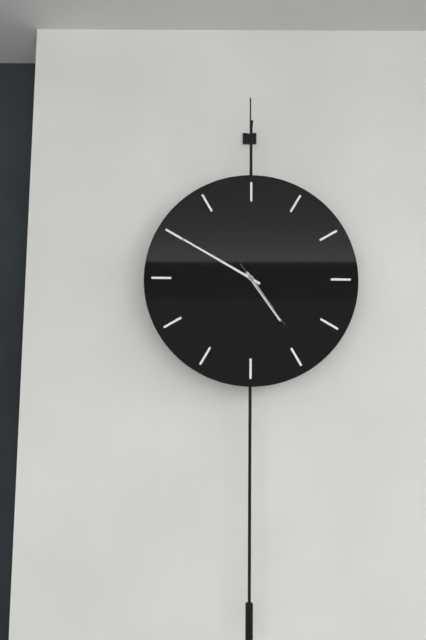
4:50:24
